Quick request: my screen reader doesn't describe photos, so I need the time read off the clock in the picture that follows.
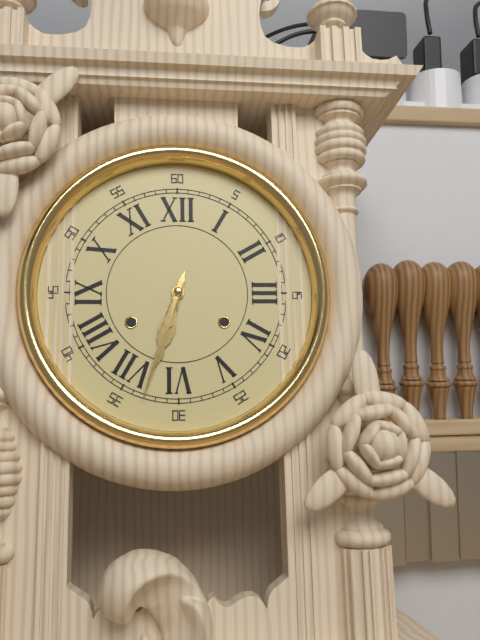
6:33
